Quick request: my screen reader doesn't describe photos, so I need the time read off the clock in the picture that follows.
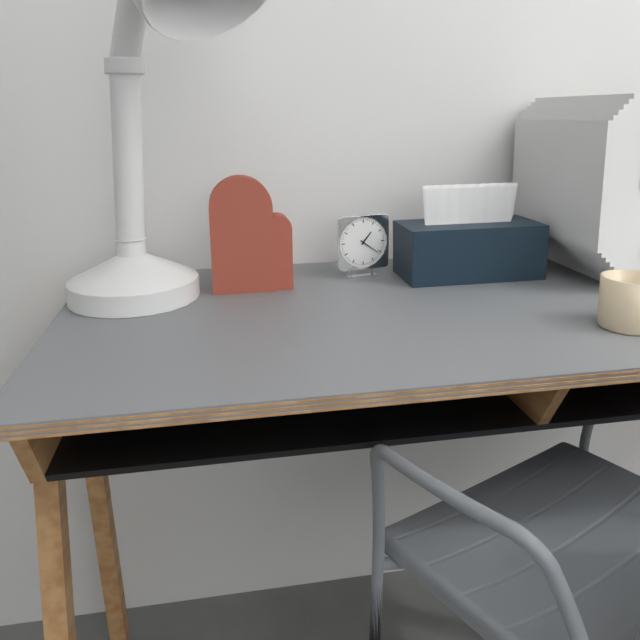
1:21
